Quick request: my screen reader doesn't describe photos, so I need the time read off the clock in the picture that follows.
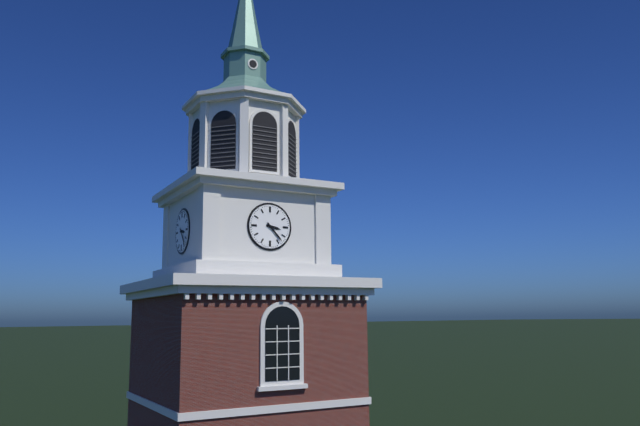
3:23
